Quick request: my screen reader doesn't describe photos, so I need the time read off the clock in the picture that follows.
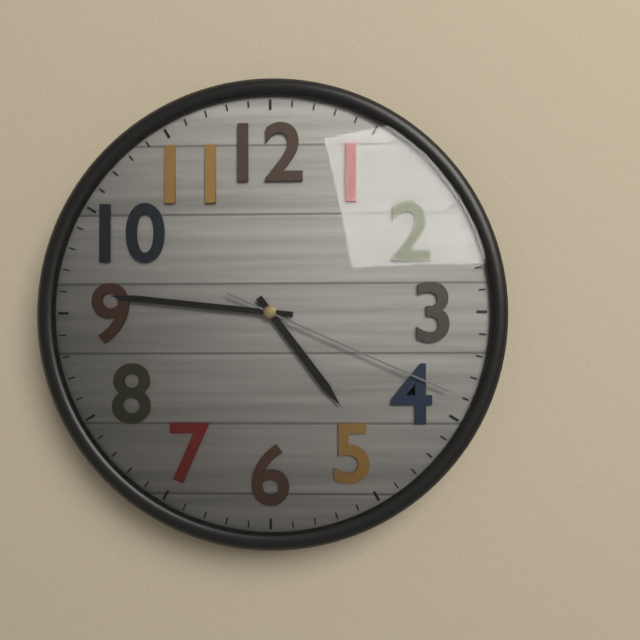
4:46:19
